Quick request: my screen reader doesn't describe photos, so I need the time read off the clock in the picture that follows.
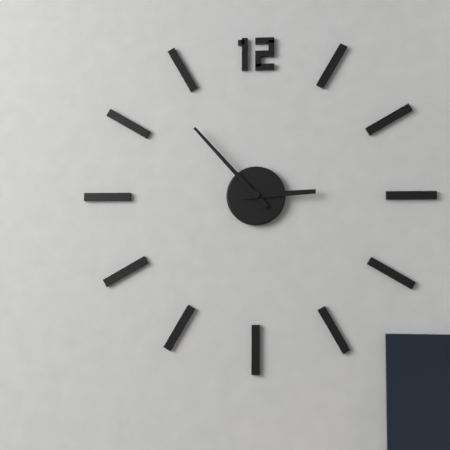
2:53
